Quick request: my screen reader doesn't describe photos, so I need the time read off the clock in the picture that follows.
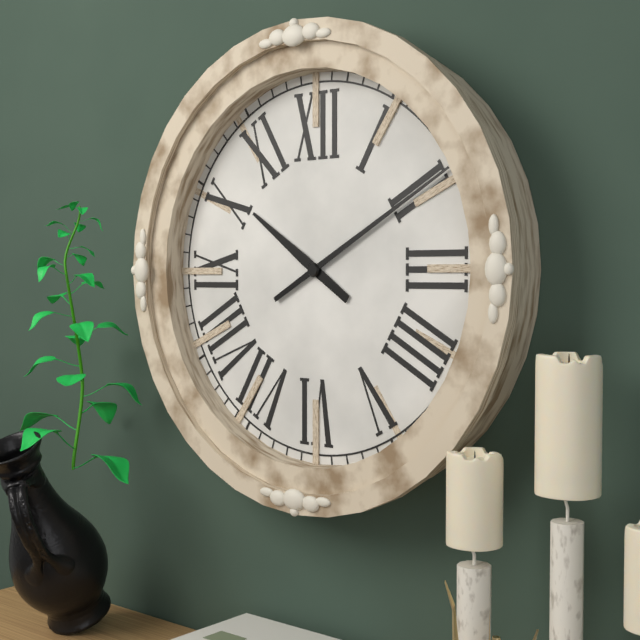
10:10
